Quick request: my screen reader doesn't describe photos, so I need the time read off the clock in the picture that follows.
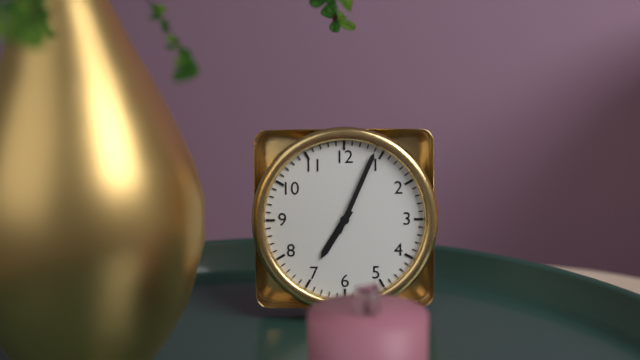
7:04
